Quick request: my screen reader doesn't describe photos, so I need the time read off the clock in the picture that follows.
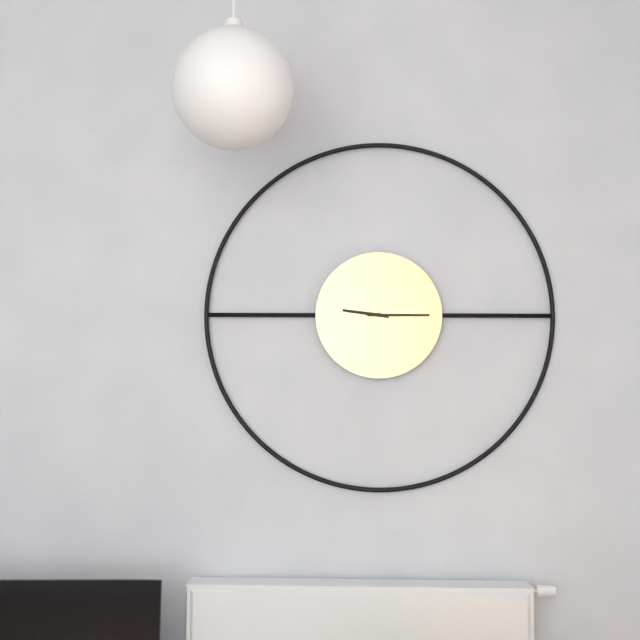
9:15
